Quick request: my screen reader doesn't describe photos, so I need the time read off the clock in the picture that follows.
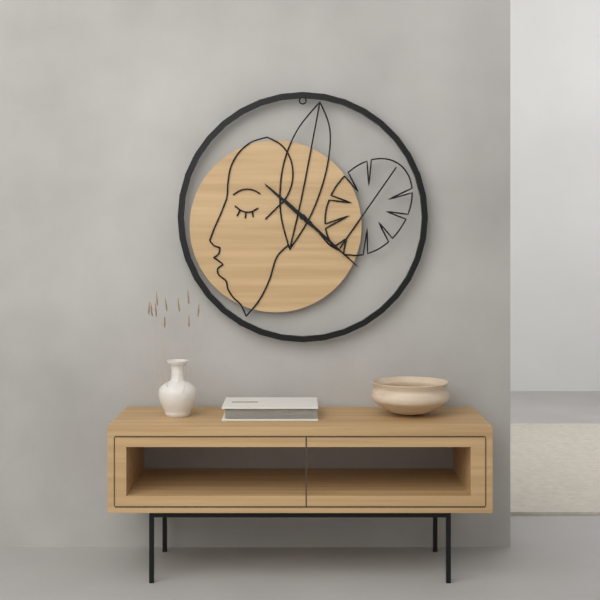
10:22
